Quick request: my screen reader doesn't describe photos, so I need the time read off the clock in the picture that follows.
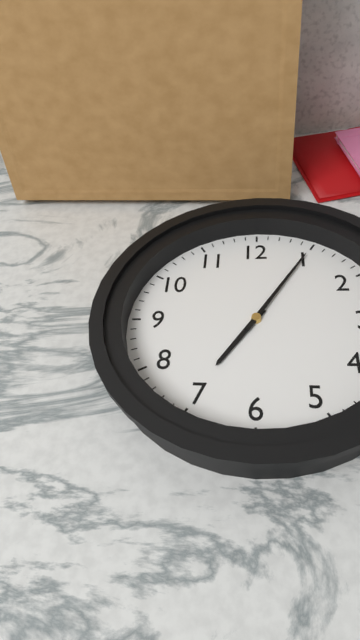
7:05
